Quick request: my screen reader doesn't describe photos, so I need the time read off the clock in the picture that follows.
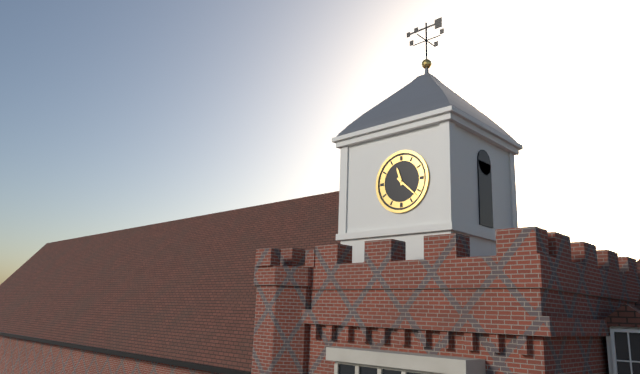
11:22
